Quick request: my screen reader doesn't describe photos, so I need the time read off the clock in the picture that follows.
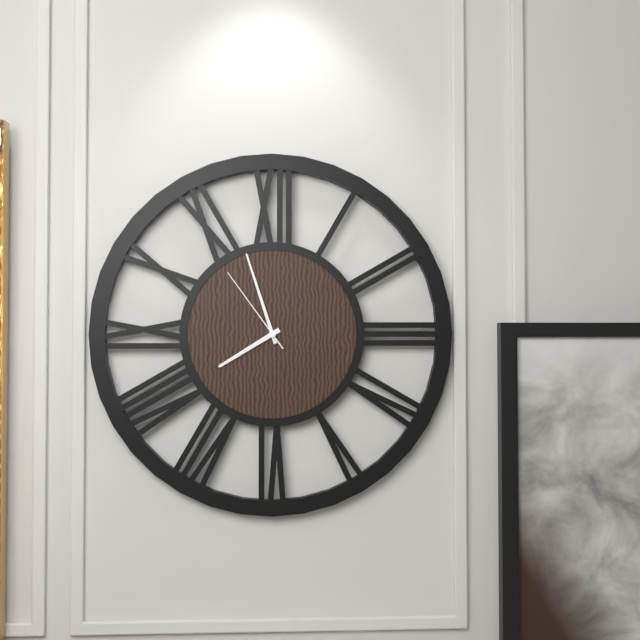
7:57:54
